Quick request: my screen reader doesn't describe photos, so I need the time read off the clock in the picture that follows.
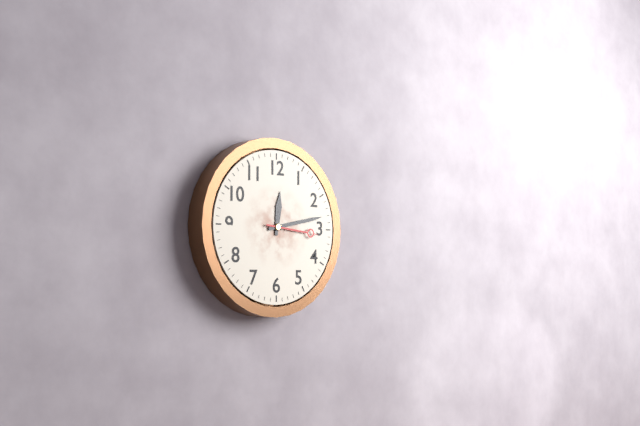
12:13:16
